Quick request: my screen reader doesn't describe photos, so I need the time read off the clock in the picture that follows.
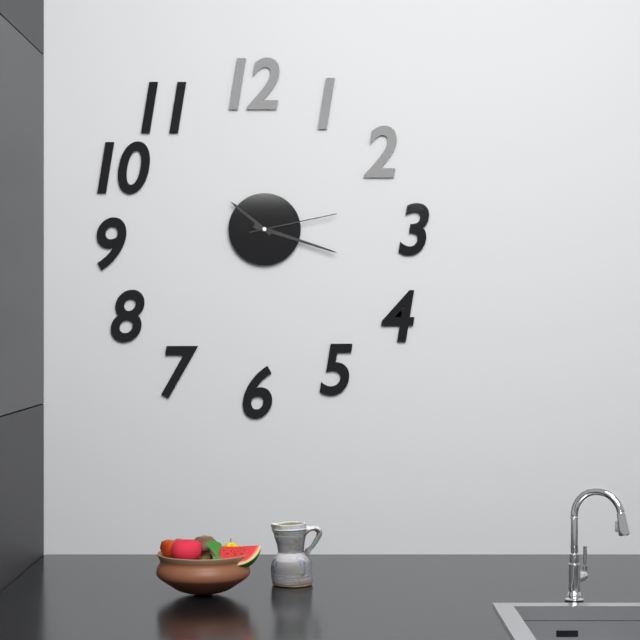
10:18:13
